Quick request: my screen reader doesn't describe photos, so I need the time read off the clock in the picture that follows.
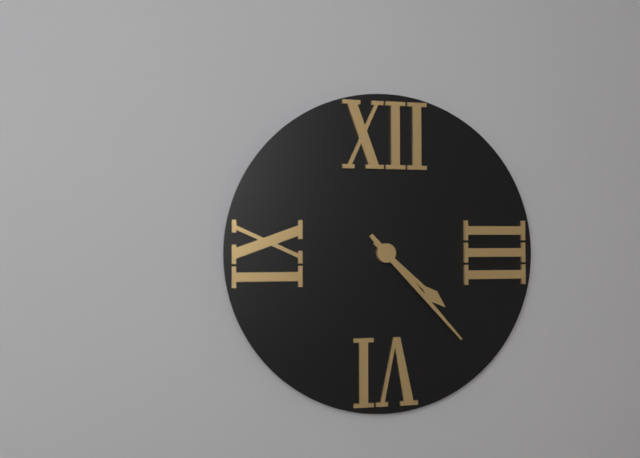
4:23
